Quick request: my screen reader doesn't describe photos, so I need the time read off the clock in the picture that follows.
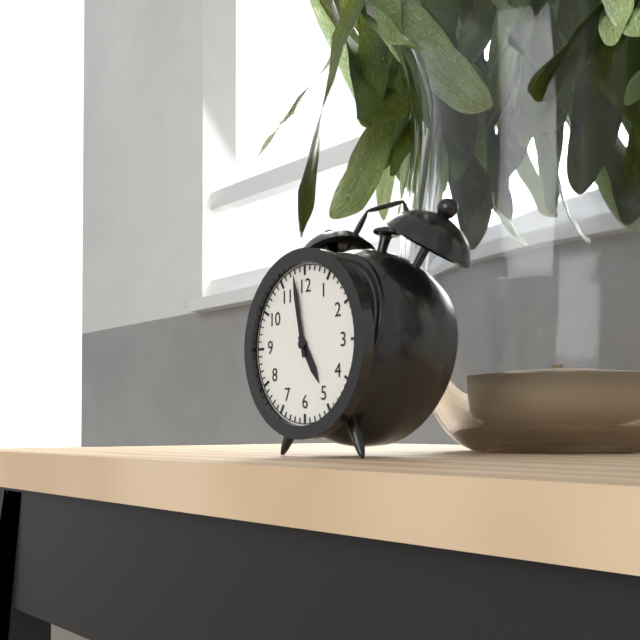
4:58
